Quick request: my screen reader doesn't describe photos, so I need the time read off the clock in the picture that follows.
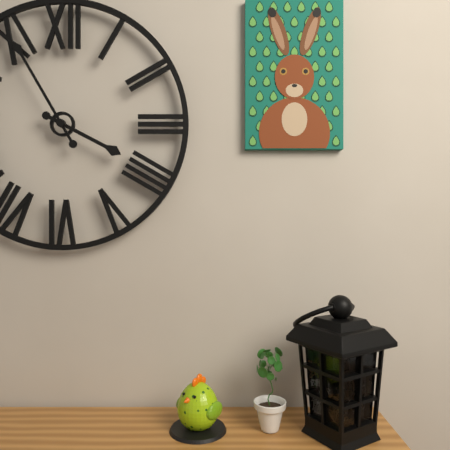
3:55
